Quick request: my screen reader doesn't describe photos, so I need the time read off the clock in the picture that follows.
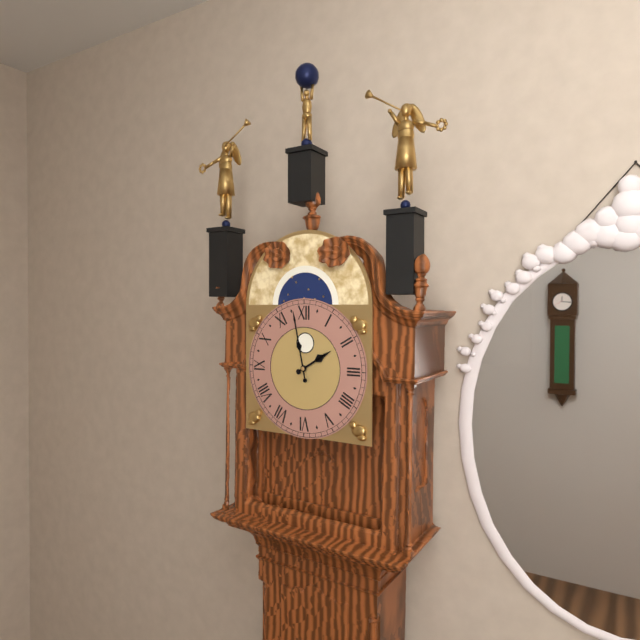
1:58
